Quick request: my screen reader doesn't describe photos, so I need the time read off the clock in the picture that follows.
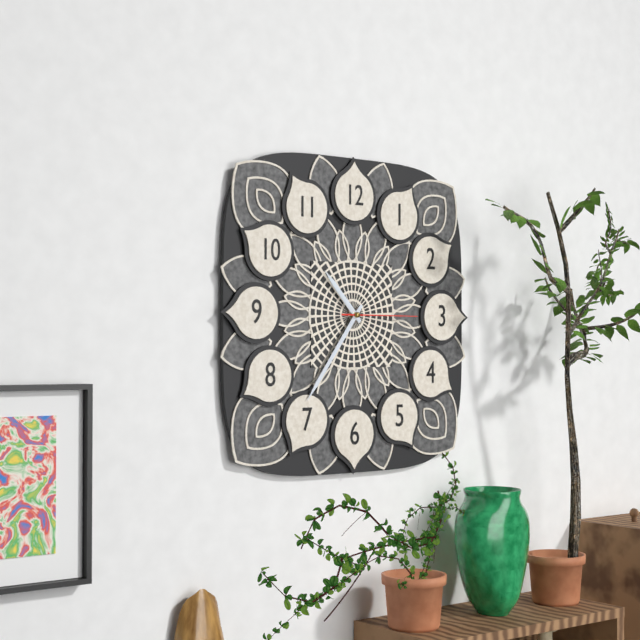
10:36:15
